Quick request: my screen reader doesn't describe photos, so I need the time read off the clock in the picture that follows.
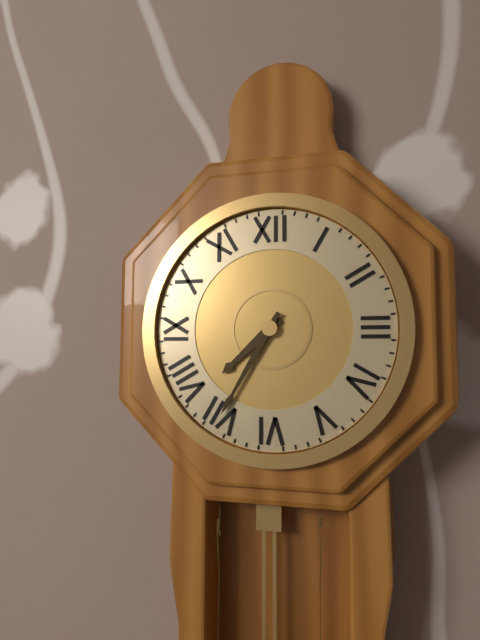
7:35
